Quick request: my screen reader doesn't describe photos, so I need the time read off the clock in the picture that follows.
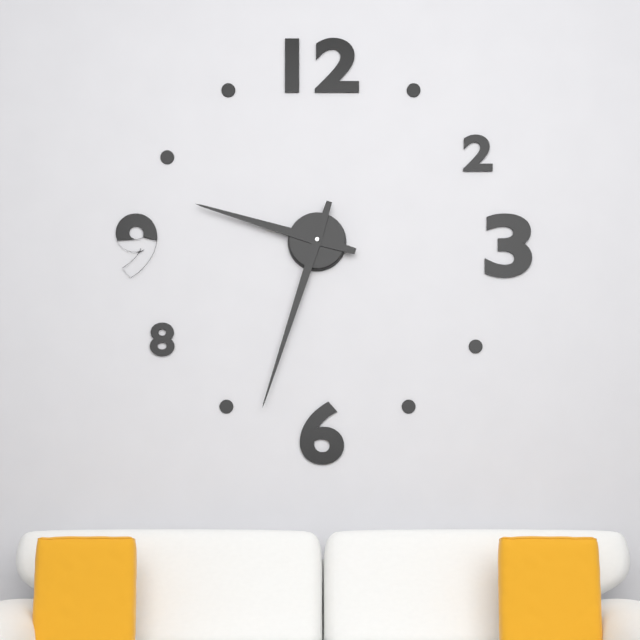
9:33
